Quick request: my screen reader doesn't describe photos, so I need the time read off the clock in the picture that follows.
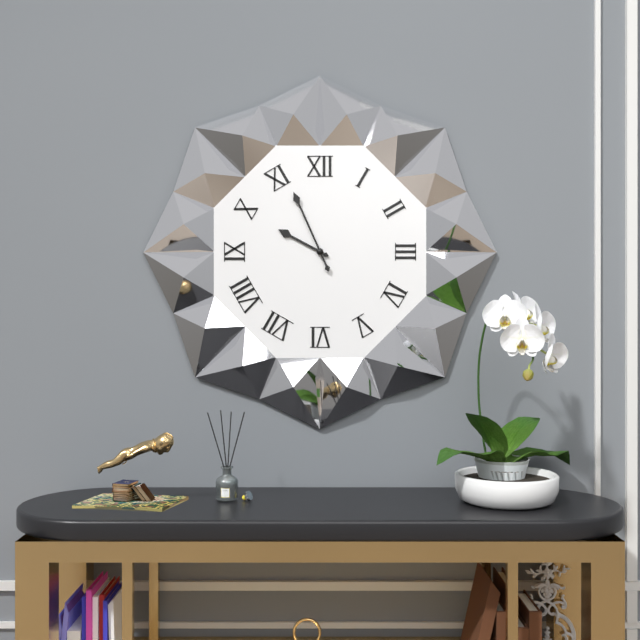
9:56
